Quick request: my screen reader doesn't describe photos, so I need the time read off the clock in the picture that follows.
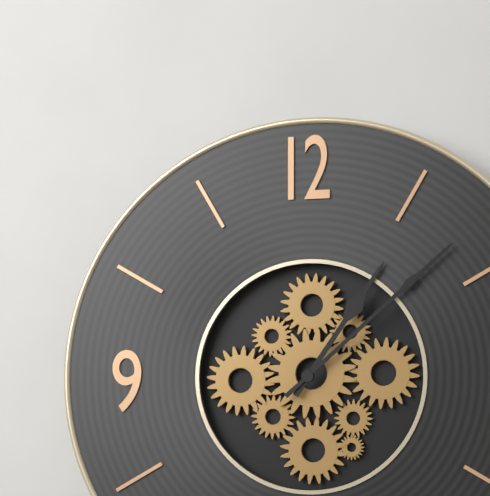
1:08
